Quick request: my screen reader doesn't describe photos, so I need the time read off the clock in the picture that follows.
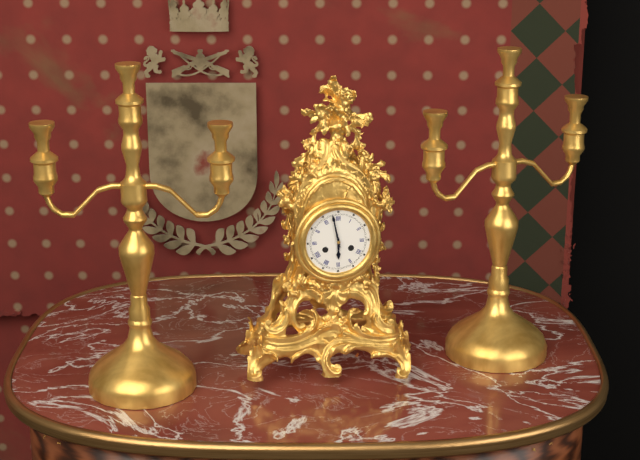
5:58
